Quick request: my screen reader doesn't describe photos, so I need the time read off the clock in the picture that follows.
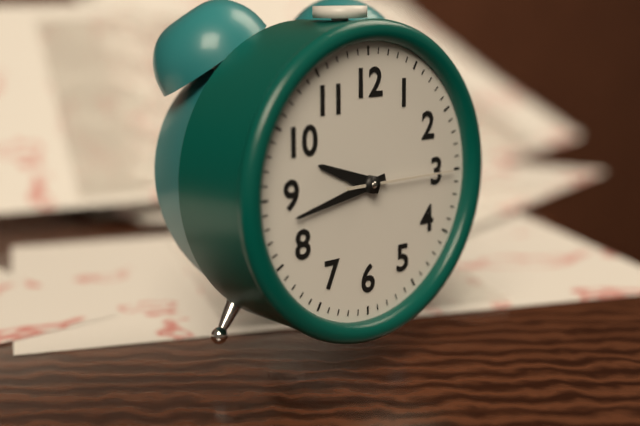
9:43:15
